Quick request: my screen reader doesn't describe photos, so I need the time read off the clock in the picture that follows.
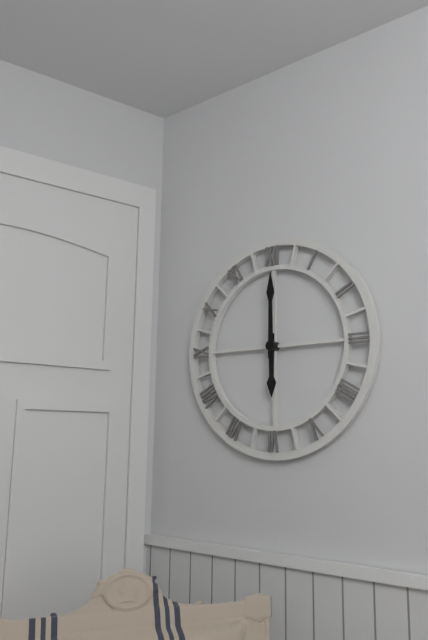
6:00
